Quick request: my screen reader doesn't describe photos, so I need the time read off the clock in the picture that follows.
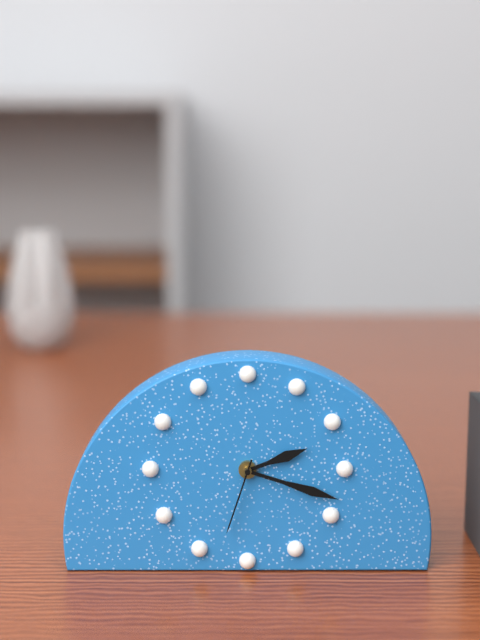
2:18:33
